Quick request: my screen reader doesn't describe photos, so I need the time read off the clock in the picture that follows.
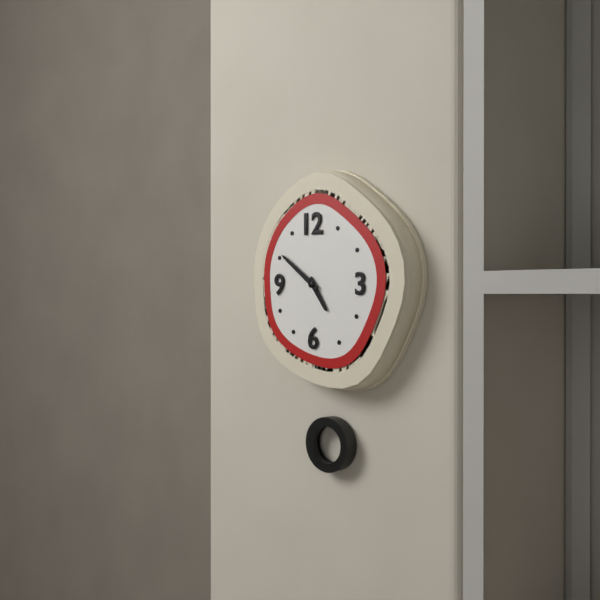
4:51
